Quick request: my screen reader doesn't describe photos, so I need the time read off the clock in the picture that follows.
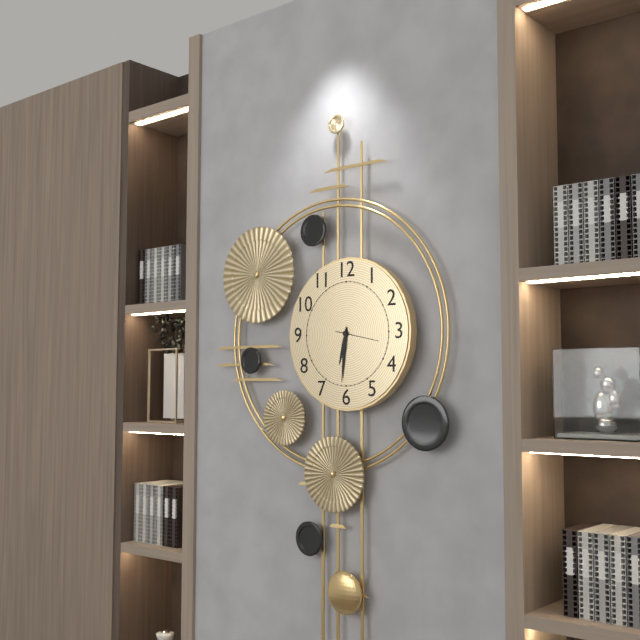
6:31
